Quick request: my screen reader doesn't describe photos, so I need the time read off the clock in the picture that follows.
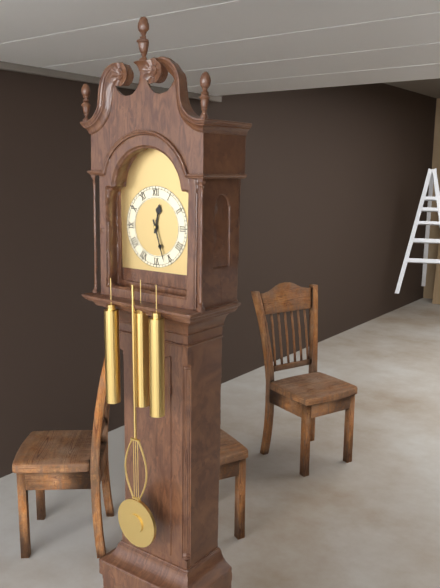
12:27
